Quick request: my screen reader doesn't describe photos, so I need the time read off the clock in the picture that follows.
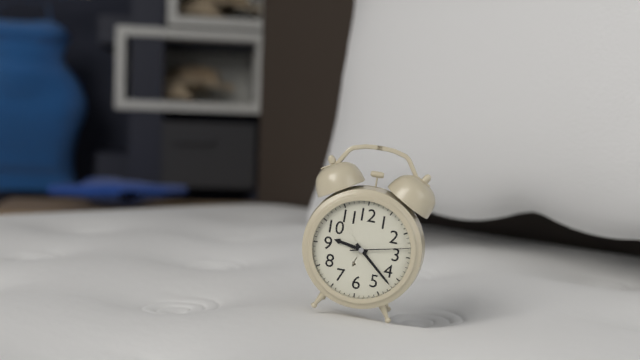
9:22:13
